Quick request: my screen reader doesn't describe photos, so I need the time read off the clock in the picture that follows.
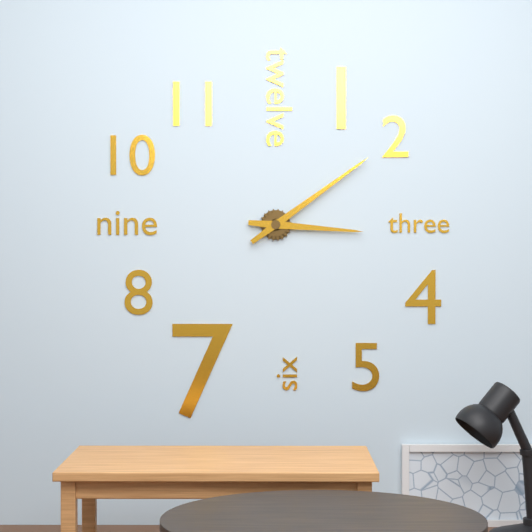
3:09
